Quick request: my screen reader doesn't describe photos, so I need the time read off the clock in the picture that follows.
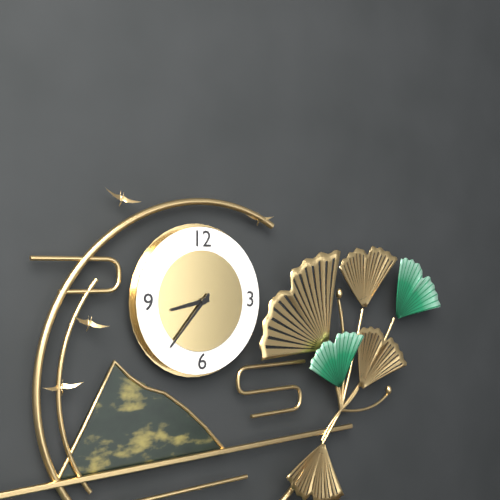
8:37
